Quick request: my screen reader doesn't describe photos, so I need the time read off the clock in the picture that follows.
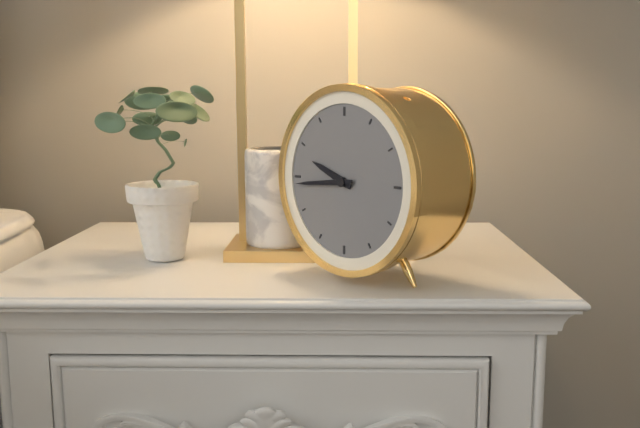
9:44
